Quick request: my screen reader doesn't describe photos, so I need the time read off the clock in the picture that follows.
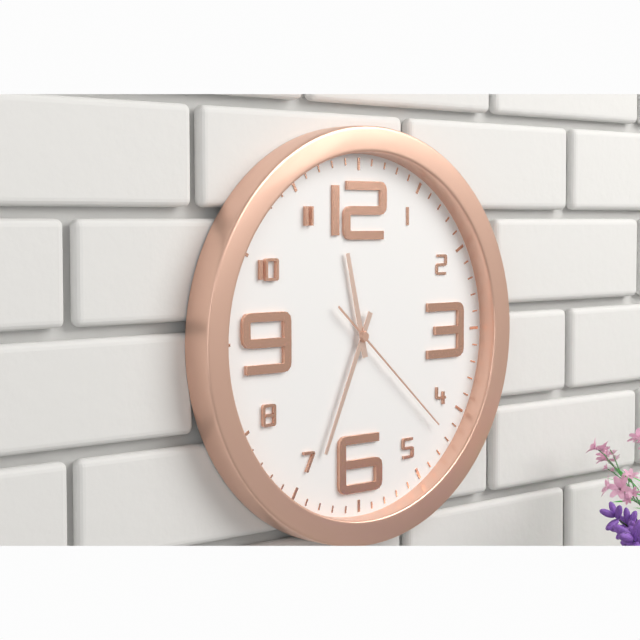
11:34:22
